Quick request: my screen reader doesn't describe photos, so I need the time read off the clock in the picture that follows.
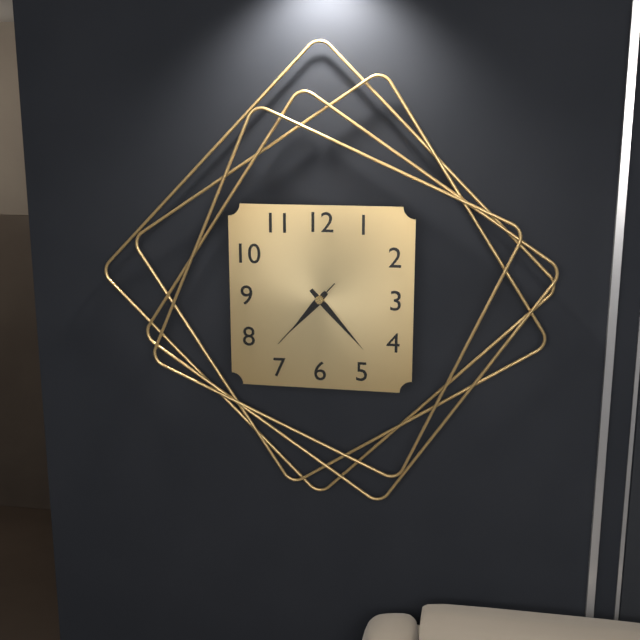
7:23:37
